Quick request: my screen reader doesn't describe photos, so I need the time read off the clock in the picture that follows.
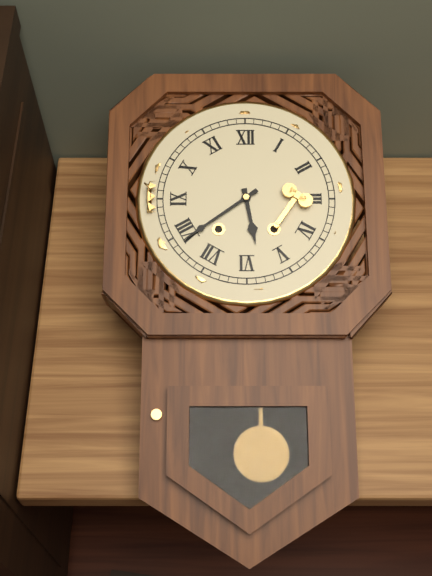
5:39
